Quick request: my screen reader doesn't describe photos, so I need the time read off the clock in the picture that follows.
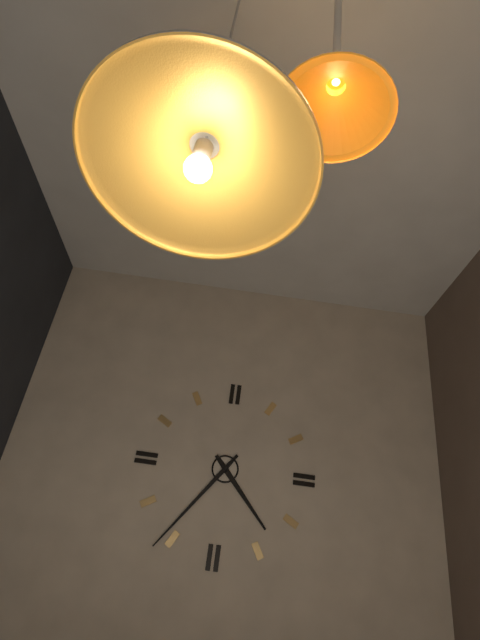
4:36
